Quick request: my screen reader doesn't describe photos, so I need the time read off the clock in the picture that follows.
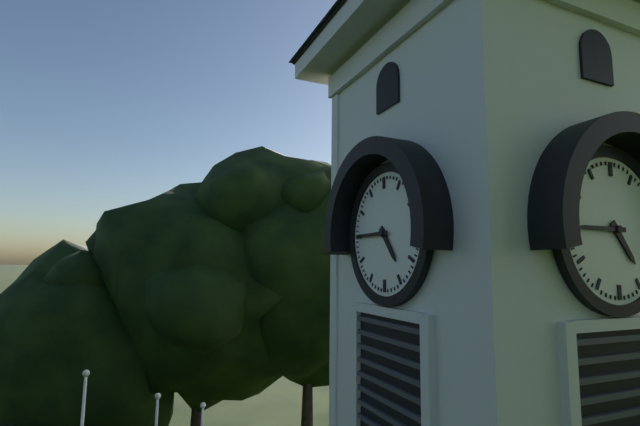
4:45
